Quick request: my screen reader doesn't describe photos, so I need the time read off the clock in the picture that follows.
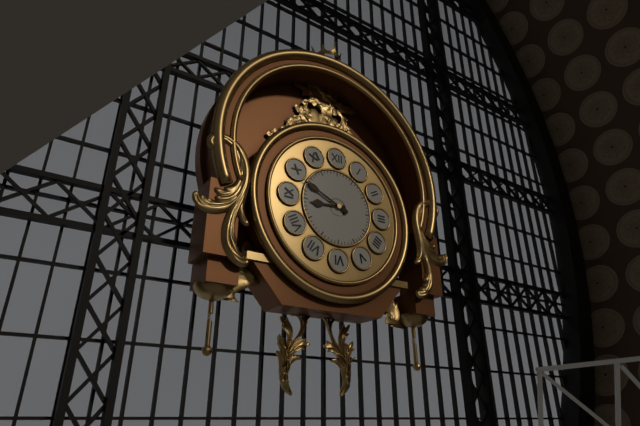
8:49
